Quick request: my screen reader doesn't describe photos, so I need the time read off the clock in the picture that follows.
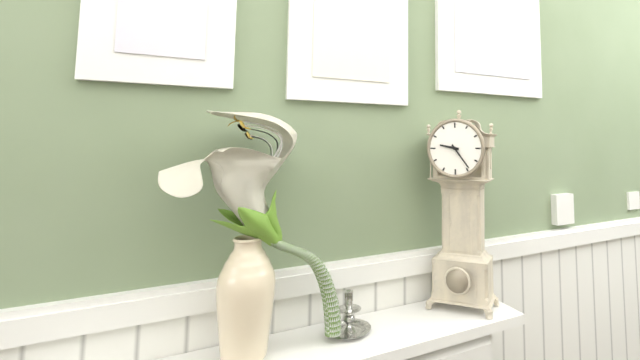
9:24
